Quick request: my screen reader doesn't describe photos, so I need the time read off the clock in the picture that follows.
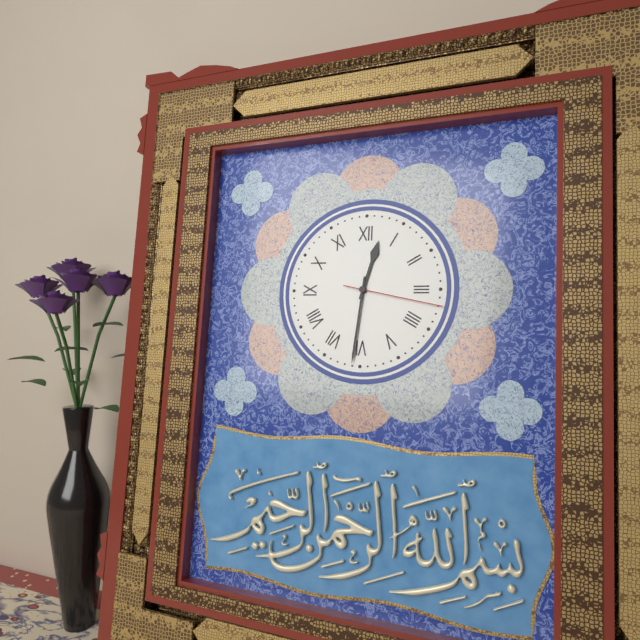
12:31:17
